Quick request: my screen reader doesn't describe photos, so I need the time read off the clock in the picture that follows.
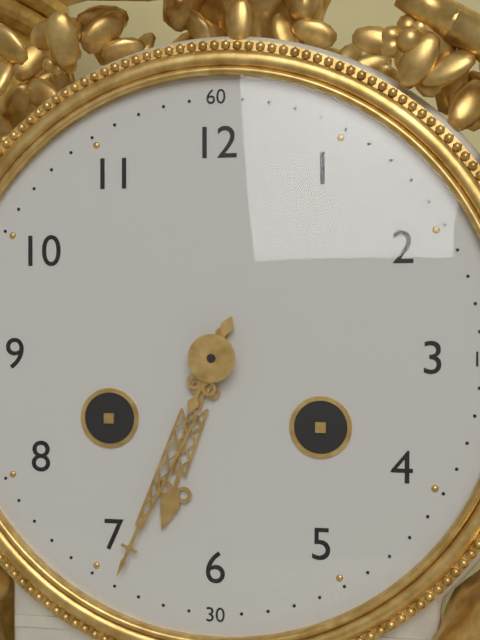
6:34
